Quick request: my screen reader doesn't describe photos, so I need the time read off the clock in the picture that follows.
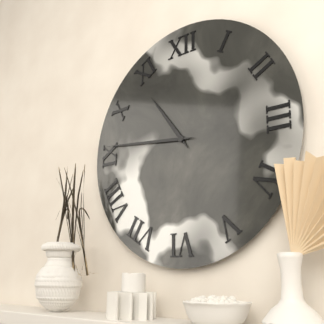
10:46
